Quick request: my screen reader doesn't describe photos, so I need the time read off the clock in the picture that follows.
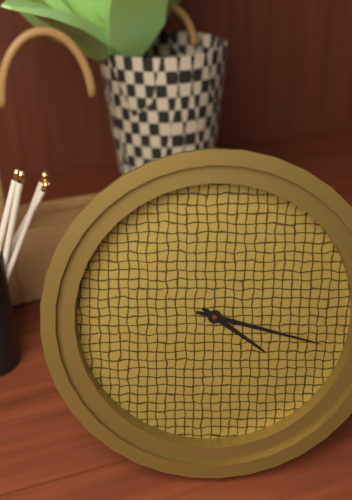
4:18
